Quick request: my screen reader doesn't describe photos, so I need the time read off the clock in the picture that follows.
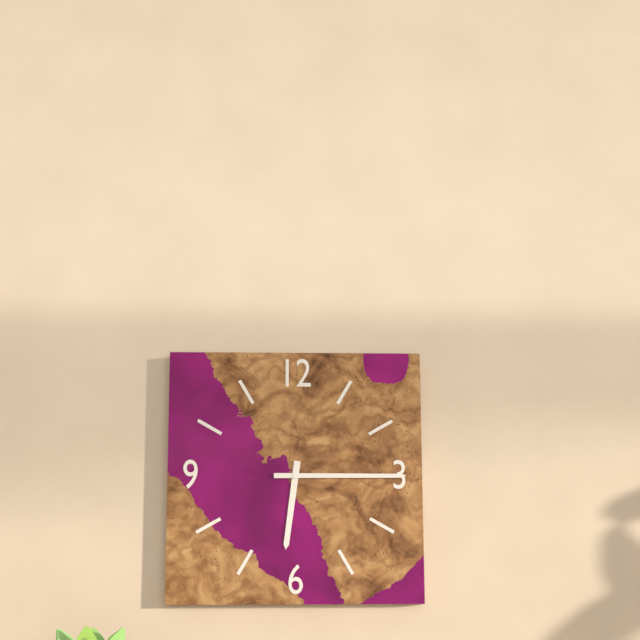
6:15
